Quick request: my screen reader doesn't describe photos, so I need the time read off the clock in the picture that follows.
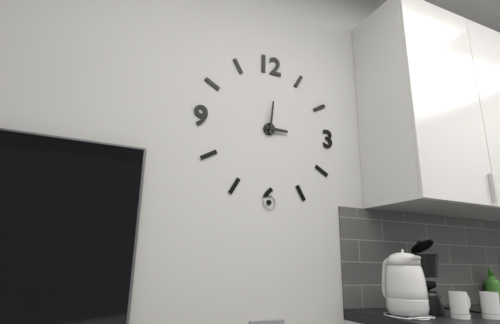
3:01
